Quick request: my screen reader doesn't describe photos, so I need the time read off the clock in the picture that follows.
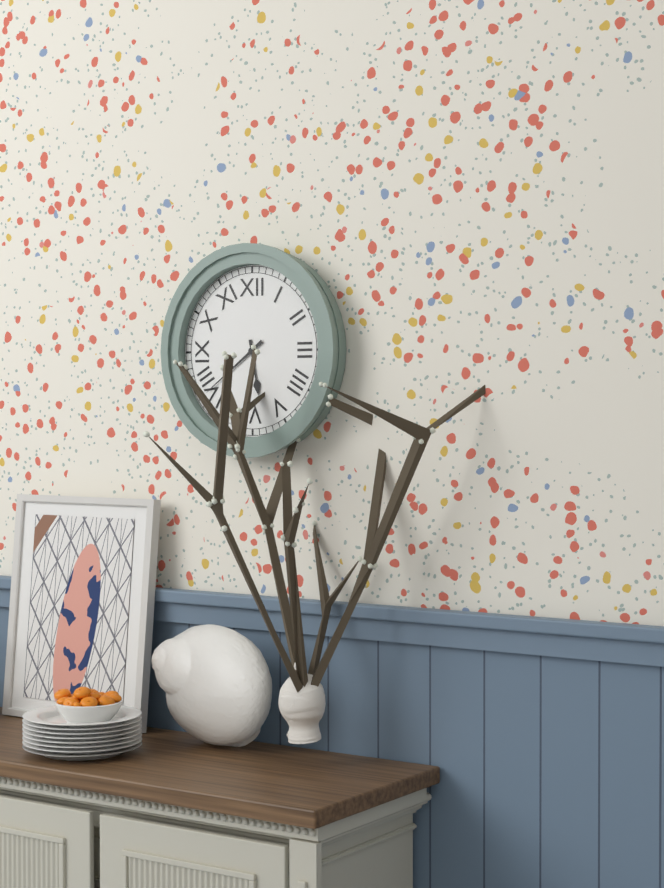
5:39
